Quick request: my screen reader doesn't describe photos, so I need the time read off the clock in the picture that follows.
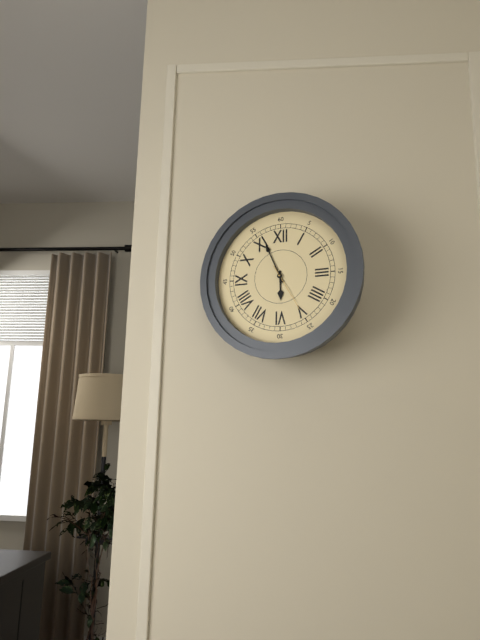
5:56
